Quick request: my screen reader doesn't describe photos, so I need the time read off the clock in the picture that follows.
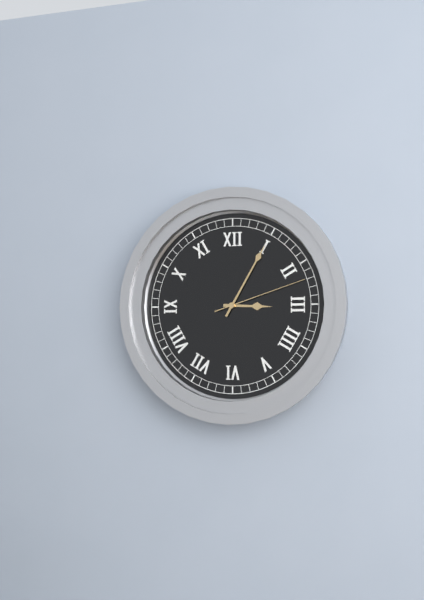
3:05:12
